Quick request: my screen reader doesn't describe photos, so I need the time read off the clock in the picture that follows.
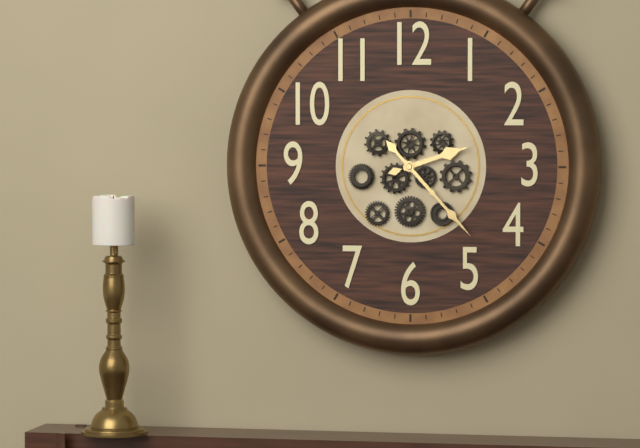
2:23
